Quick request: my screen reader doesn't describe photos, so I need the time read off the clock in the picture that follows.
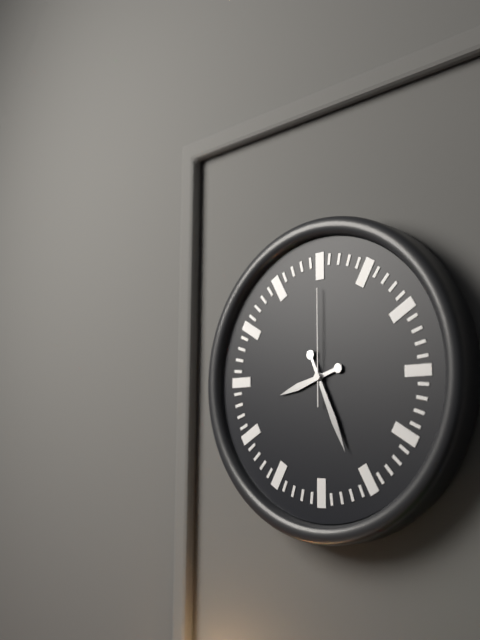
8:26:00
